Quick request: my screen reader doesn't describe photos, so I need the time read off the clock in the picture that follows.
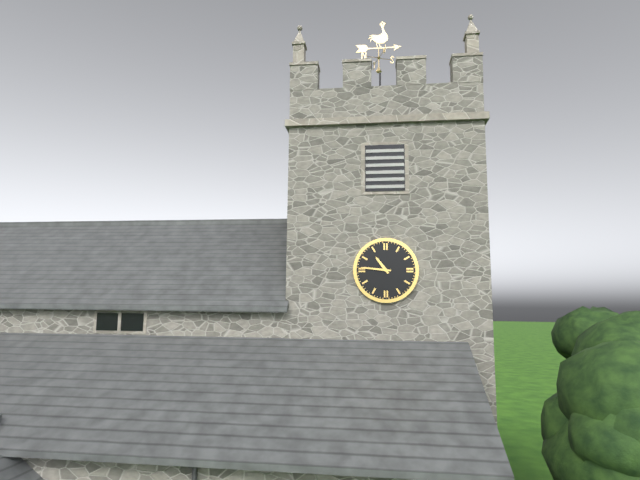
10:46
